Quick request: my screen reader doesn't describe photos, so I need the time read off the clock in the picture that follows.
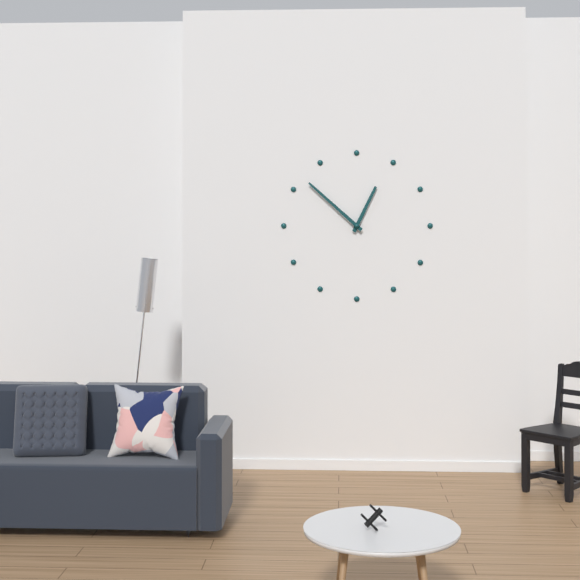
12:52
